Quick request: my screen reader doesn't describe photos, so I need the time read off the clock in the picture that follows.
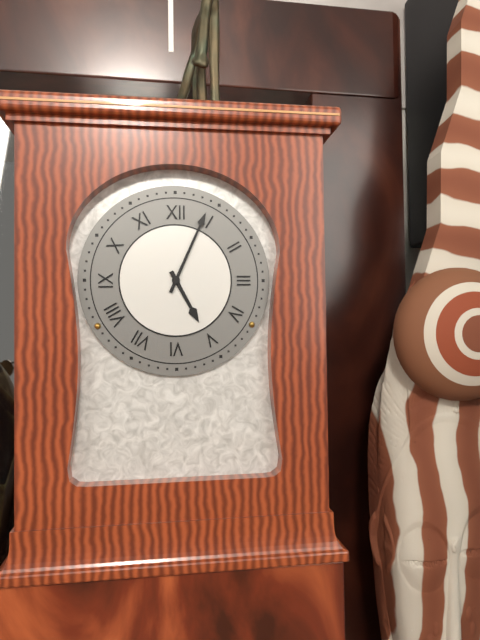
5:04
